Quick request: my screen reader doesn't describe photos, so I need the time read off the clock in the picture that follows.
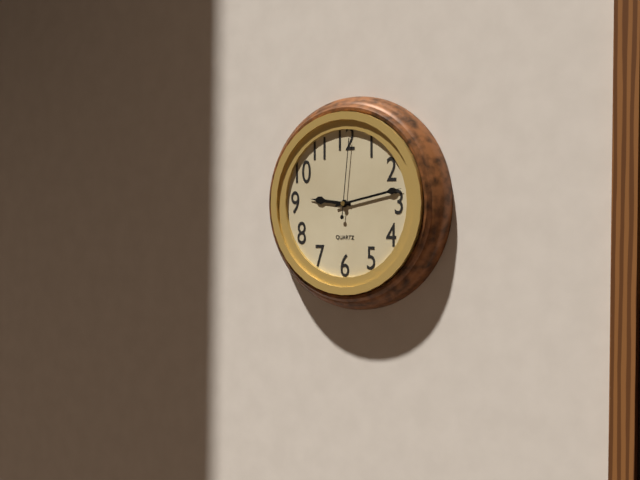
9:13:01
